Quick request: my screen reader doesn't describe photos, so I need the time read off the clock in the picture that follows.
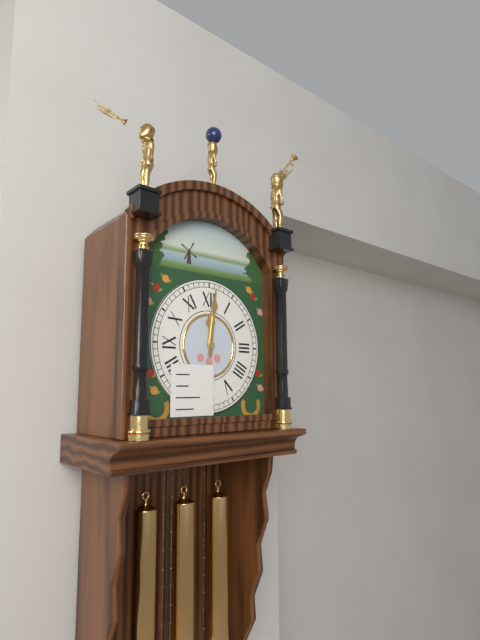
12:01
